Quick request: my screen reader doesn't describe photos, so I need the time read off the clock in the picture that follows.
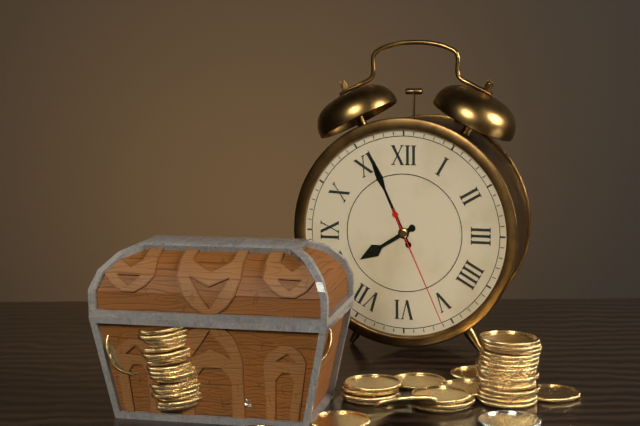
7:56:26
